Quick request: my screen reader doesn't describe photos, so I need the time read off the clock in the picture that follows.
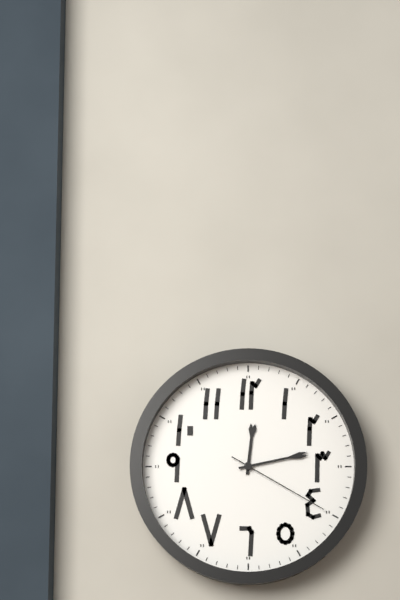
12:13:20
